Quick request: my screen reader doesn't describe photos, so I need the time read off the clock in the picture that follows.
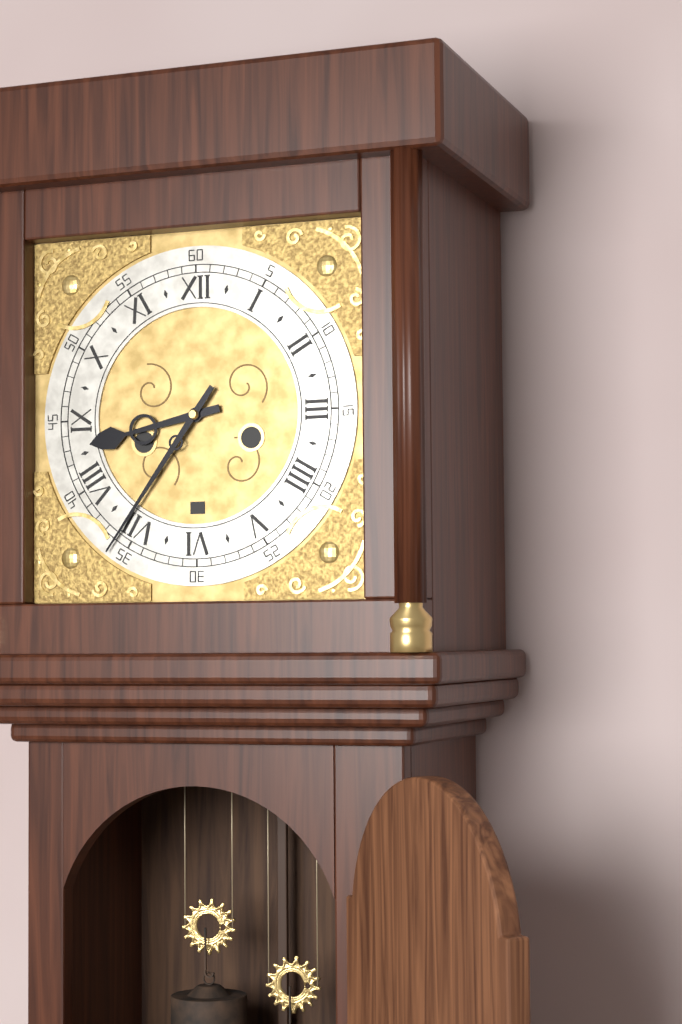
8:36
